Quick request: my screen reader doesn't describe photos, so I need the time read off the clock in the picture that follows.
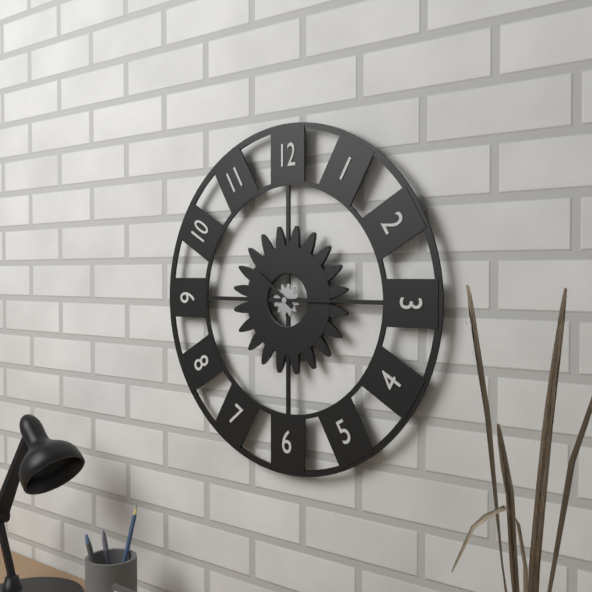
10:15
